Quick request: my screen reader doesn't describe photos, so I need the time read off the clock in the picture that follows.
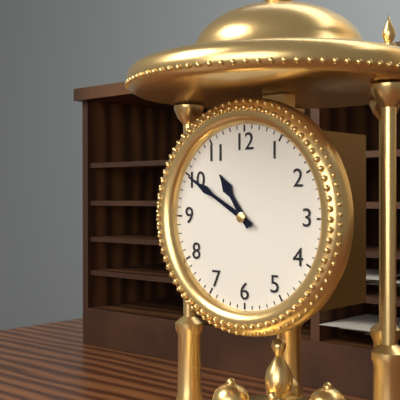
10:50
